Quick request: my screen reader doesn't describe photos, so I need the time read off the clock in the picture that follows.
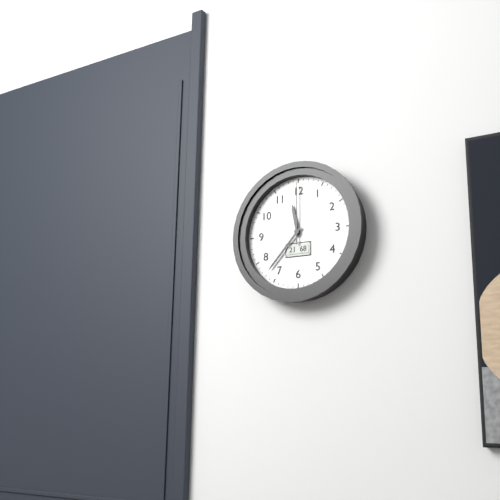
11:37:00
